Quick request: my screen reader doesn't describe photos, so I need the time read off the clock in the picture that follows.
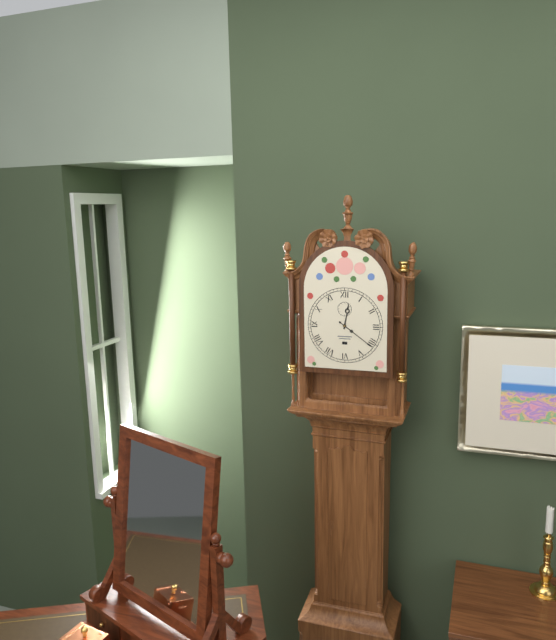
12:21
